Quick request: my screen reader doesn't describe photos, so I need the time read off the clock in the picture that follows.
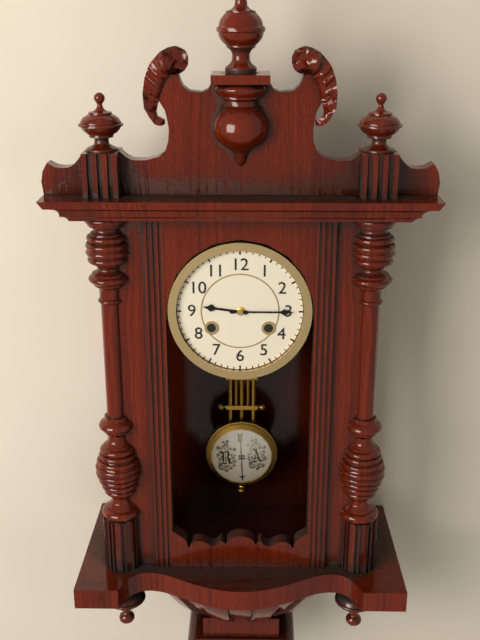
9:15
